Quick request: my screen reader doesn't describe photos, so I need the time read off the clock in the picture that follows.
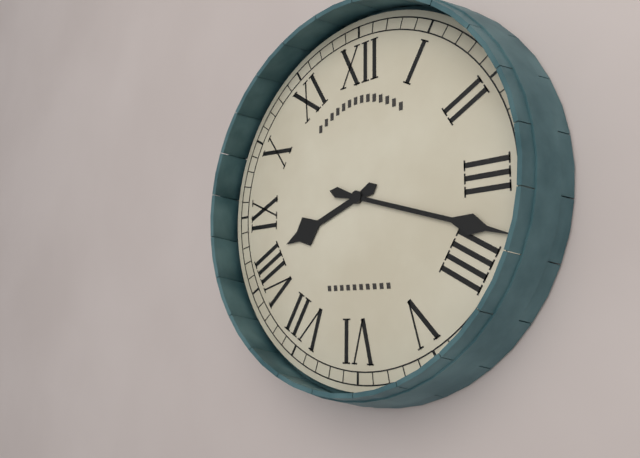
8:18
